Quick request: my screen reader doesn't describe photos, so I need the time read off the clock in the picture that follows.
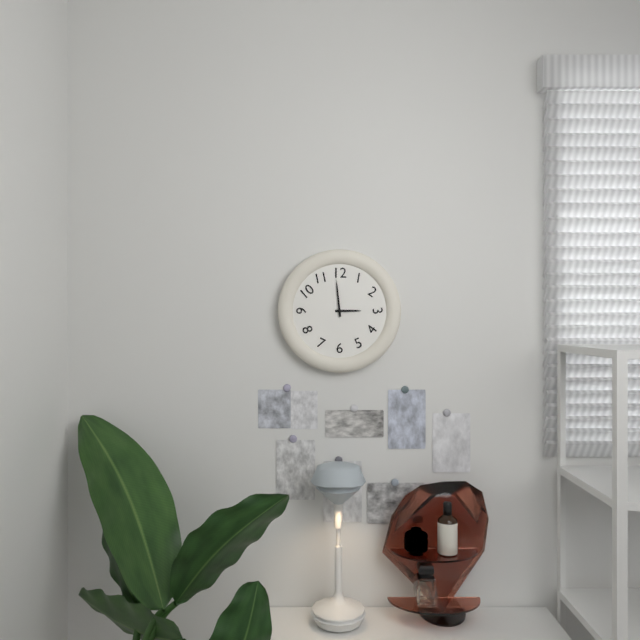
2:59
